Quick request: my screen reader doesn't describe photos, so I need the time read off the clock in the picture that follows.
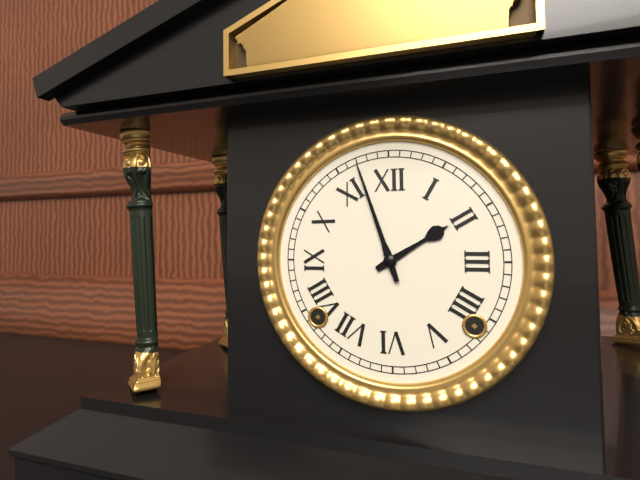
1:57
